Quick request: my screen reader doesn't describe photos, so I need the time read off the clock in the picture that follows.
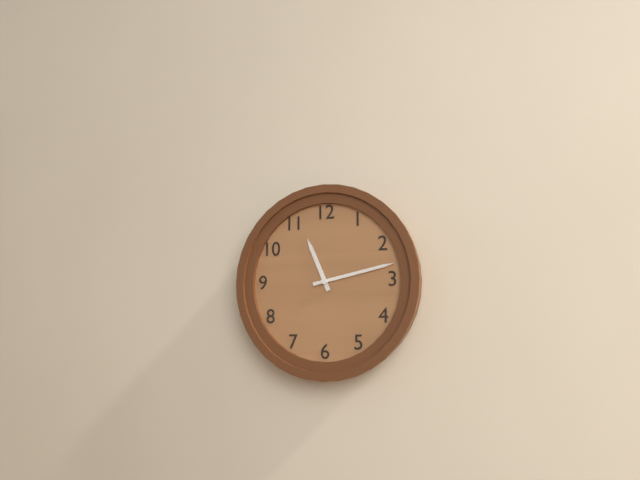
11:13
